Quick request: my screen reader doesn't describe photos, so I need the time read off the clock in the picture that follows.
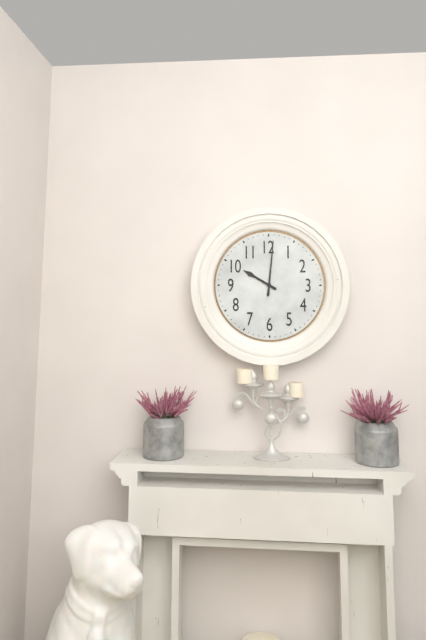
10:01
